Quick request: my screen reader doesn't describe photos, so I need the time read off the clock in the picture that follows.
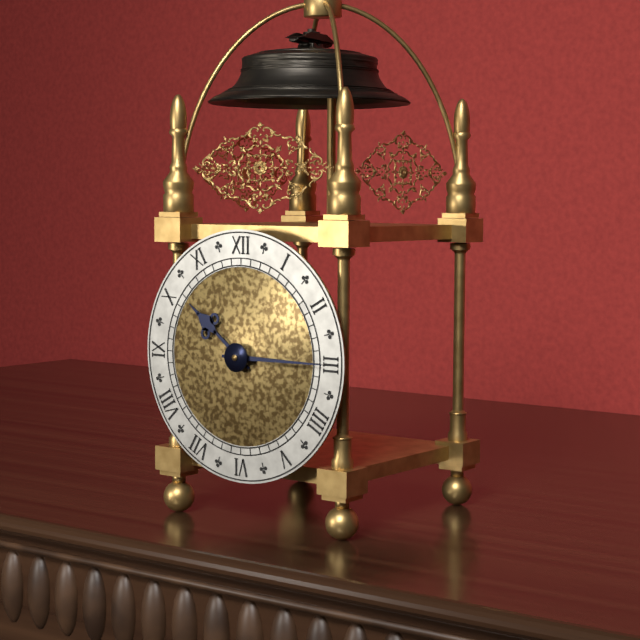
10:15
